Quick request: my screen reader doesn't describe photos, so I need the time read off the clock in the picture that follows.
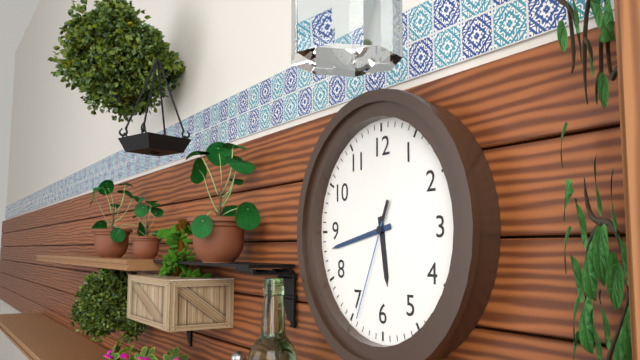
5:43:34
